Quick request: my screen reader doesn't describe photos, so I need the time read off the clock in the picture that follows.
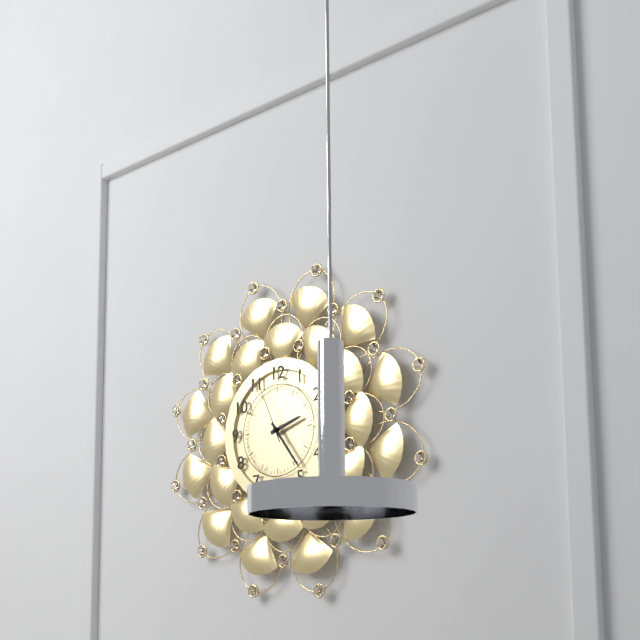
2:24:56
